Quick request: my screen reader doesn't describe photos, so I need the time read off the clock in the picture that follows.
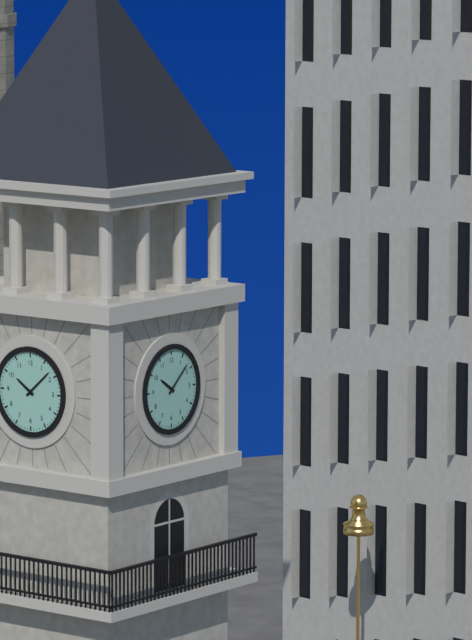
10:08
